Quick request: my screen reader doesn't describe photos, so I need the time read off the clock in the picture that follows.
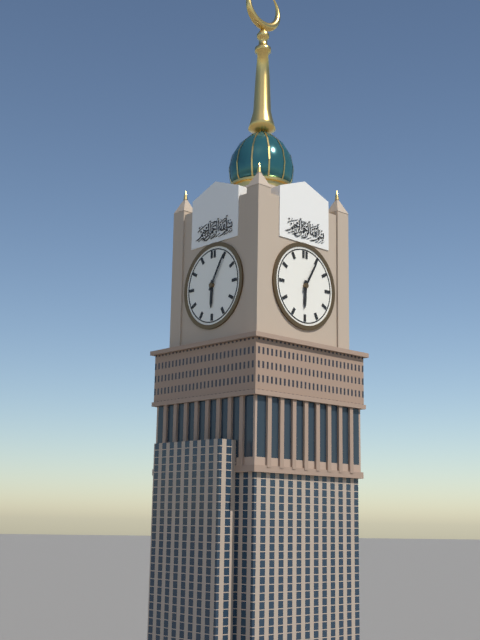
6:05
